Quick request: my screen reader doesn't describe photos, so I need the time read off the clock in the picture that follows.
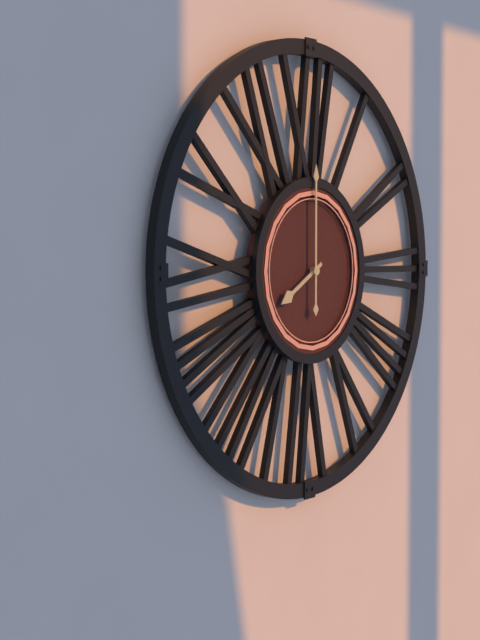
8:00
